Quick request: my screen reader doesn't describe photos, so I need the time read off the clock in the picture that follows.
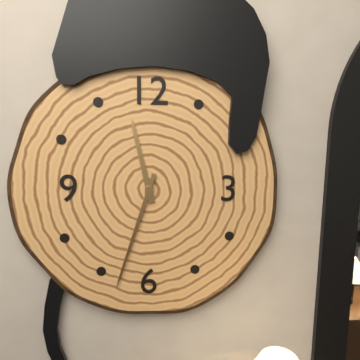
11:33
